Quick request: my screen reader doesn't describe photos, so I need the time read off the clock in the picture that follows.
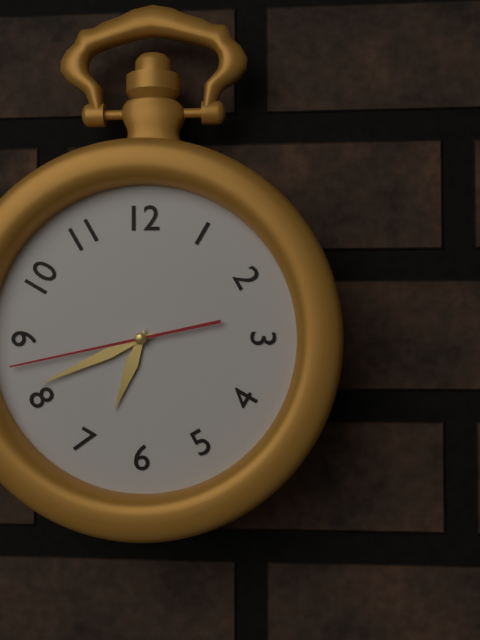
6:41:43
